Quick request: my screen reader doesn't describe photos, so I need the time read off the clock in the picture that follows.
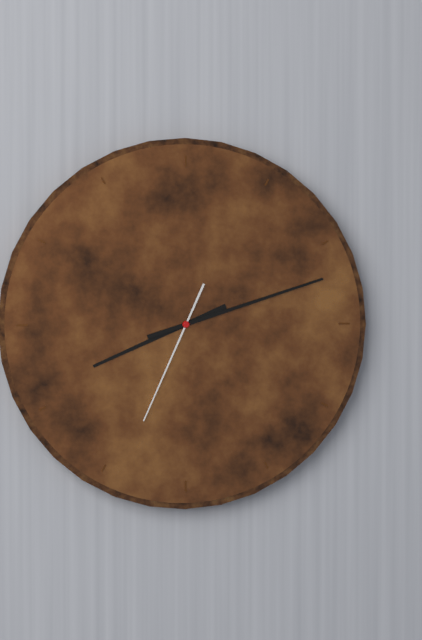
8:12:34
